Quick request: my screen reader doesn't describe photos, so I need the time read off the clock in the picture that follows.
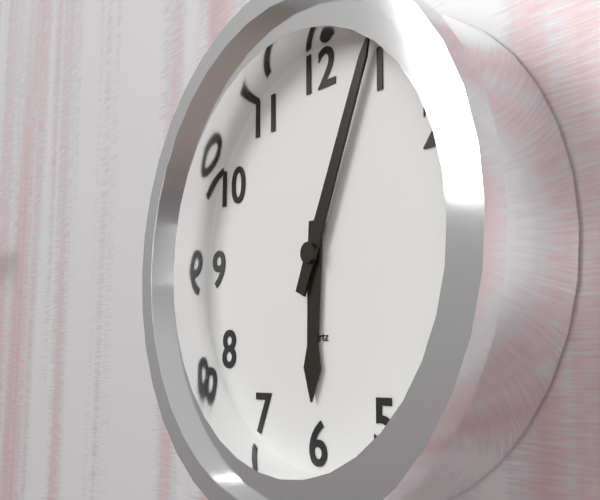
6:04
